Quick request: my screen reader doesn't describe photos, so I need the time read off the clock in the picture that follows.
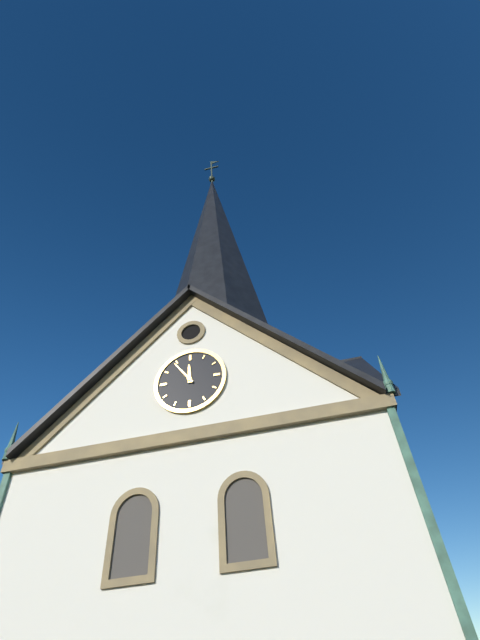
11:54
